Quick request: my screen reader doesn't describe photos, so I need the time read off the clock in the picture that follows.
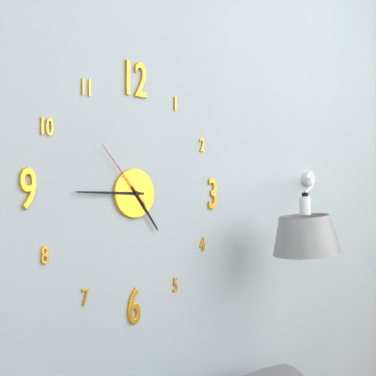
4:45:53
